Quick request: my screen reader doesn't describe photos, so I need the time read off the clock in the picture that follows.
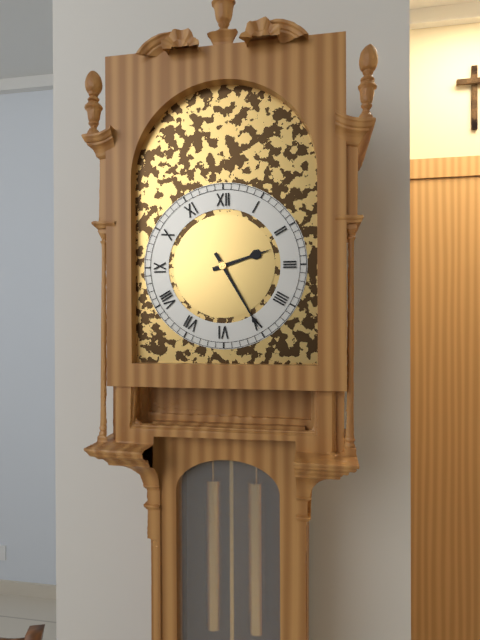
2:25
